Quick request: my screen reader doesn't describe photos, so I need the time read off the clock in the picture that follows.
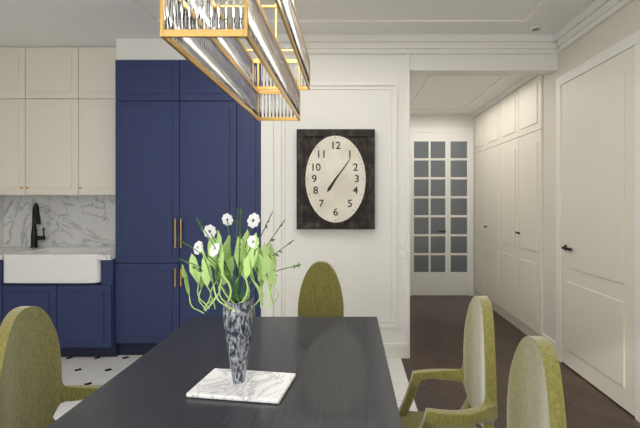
7:06
